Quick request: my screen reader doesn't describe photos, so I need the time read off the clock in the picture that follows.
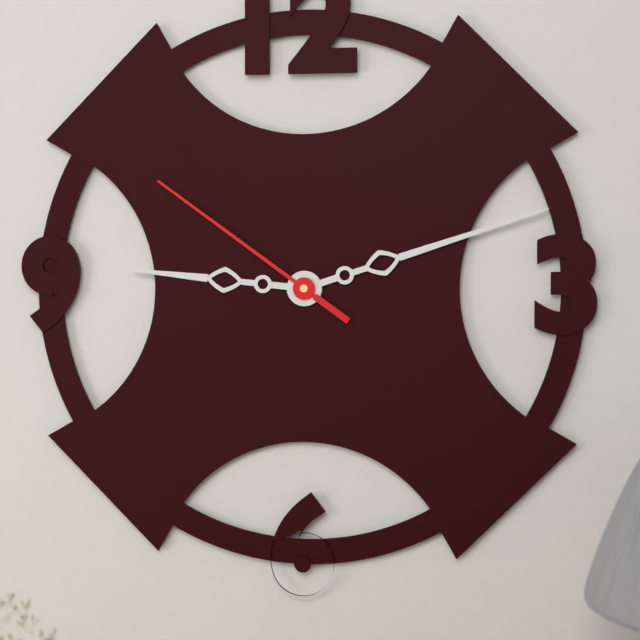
9:12:51
